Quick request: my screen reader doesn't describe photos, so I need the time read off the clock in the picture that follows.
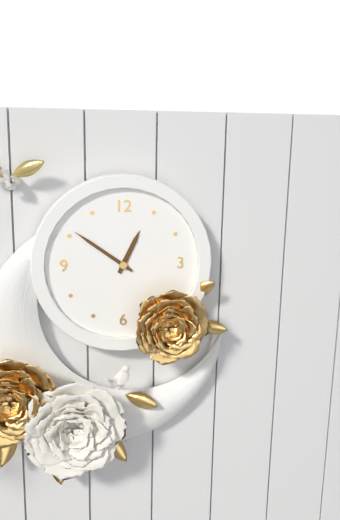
12:51
